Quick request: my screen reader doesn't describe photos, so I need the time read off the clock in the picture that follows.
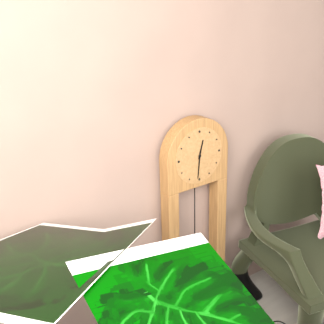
12:31
